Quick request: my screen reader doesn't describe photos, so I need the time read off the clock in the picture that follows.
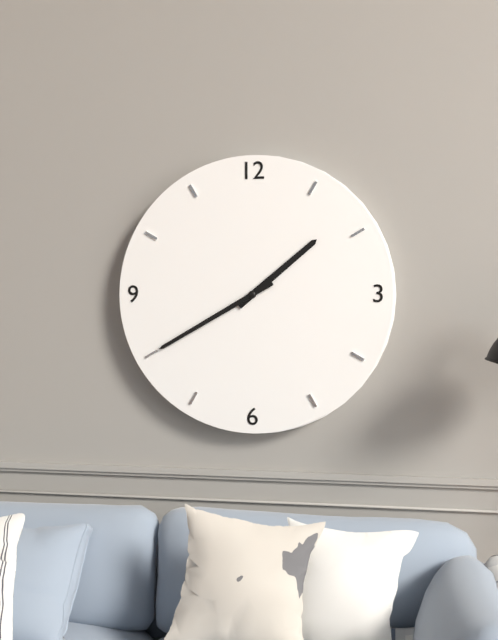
1:40
